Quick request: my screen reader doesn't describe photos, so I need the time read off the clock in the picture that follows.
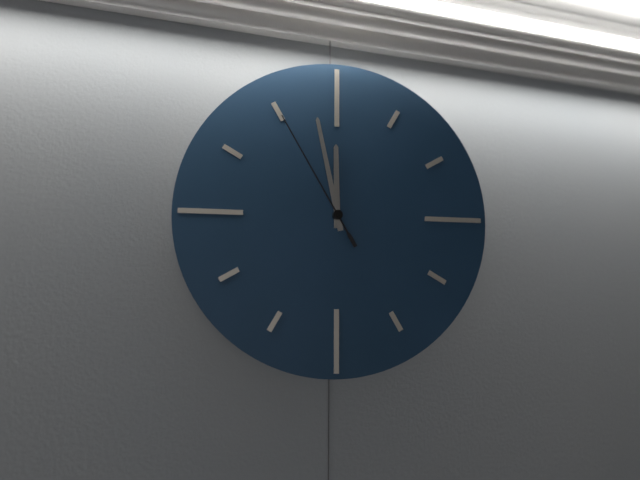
11:58:55
